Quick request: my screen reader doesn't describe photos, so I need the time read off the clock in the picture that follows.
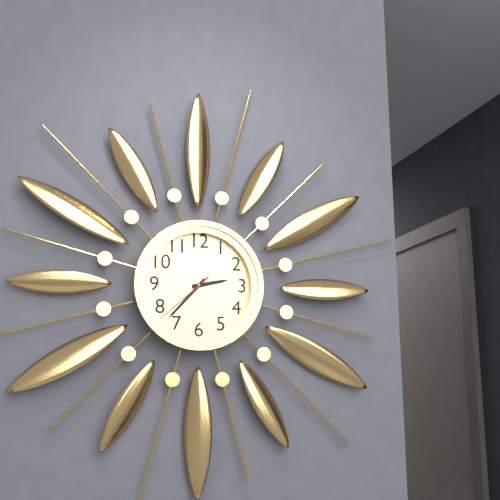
2:37:38
